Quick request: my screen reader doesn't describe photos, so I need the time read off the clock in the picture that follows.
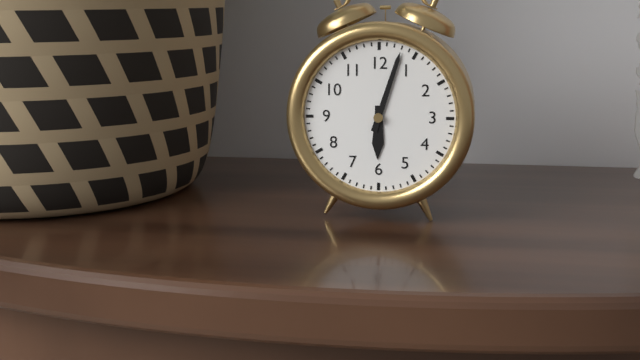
6:03
